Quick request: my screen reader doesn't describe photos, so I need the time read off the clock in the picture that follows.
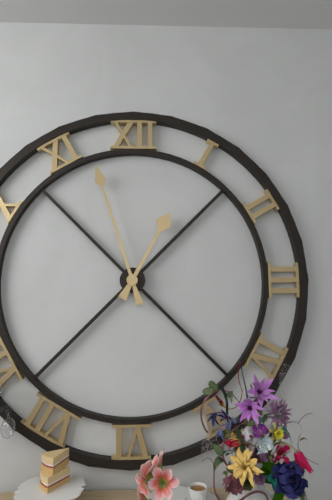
12:57
